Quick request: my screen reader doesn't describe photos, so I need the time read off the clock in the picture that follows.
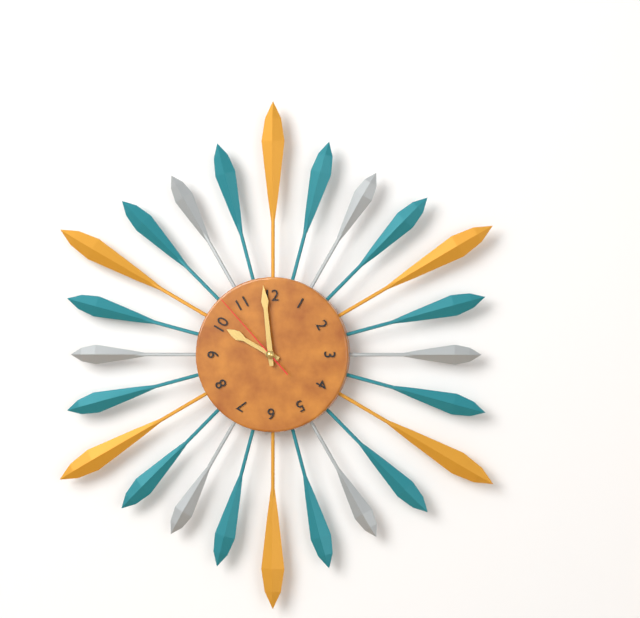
9:59:53
